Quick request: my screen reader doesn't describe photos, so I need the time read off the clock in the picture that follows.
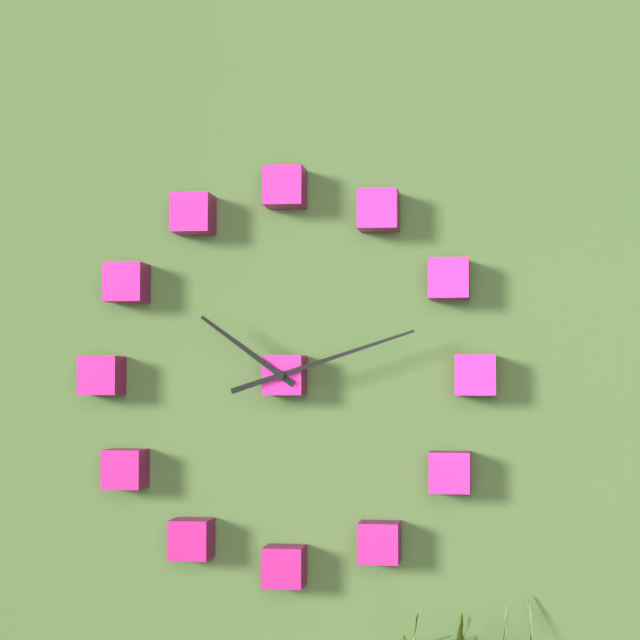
10:12
